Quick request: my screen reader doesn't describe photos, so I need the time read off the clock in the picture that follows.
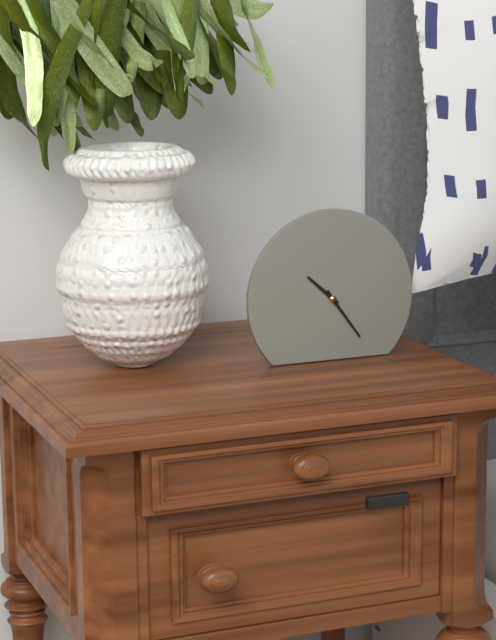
10:24
